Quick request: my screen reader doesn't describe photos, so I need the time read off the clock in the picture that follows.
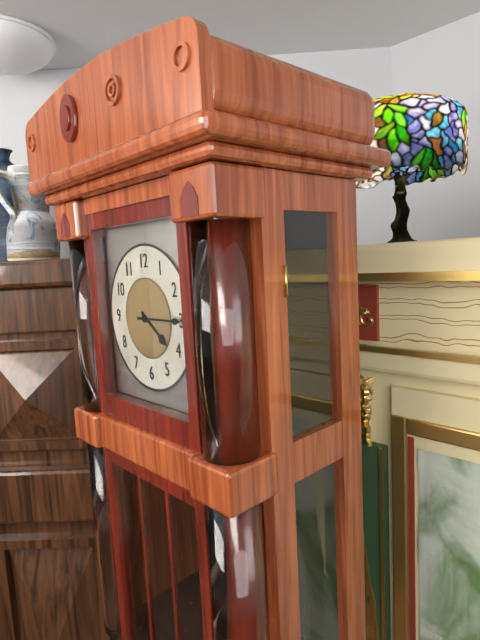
4:15
